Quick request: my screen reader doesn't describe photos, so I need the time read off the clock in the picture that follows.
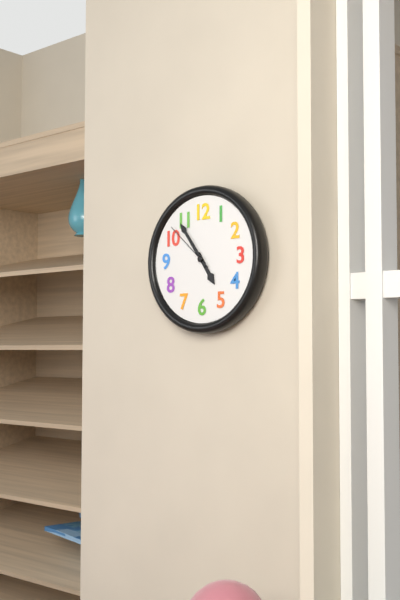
4:54:52
